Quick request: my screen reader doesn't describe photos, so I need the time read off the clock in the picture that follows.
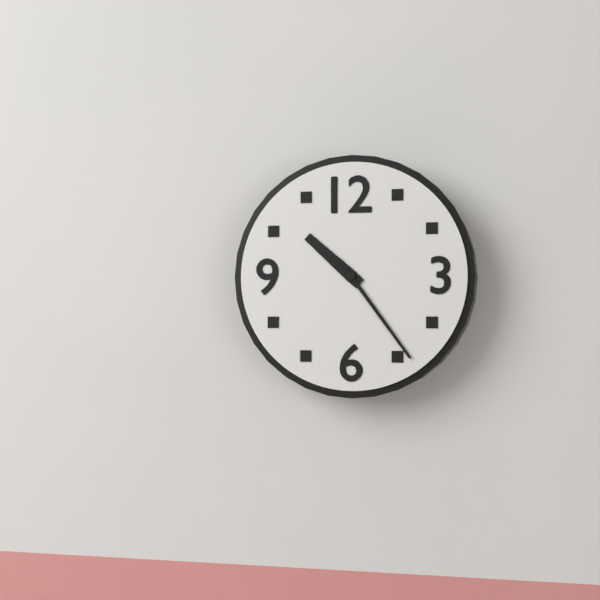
10:24
